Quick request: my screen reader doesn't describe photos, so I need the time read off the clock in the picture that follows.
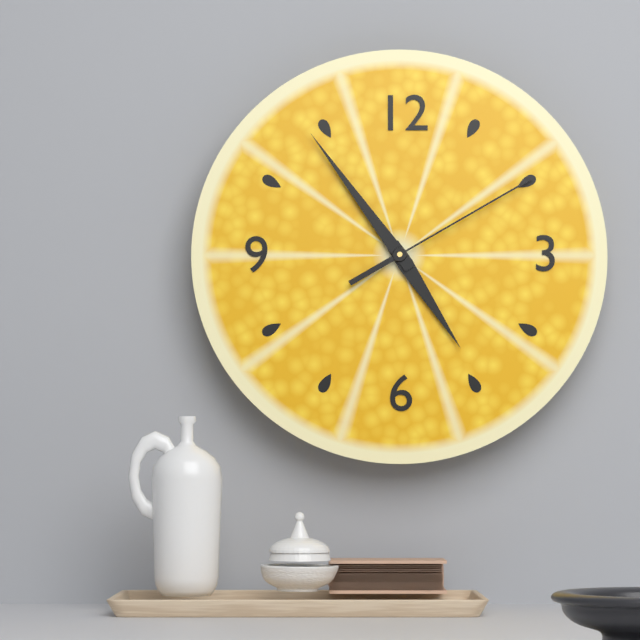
4:54:10
